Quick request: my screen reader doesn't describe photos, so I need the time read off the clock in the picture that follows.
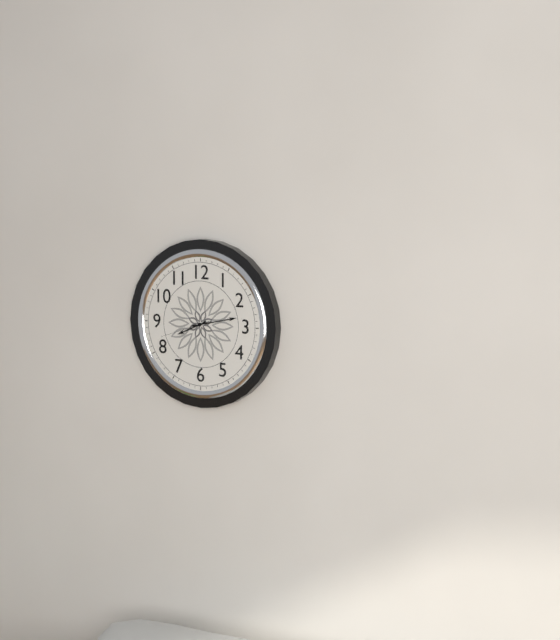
8:13:42
